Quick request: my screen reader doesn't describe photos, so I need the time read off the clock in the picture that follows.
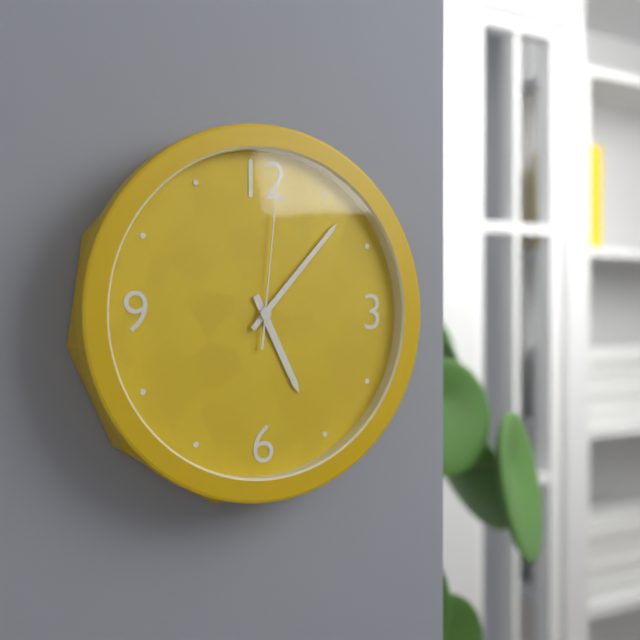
5:07:01
